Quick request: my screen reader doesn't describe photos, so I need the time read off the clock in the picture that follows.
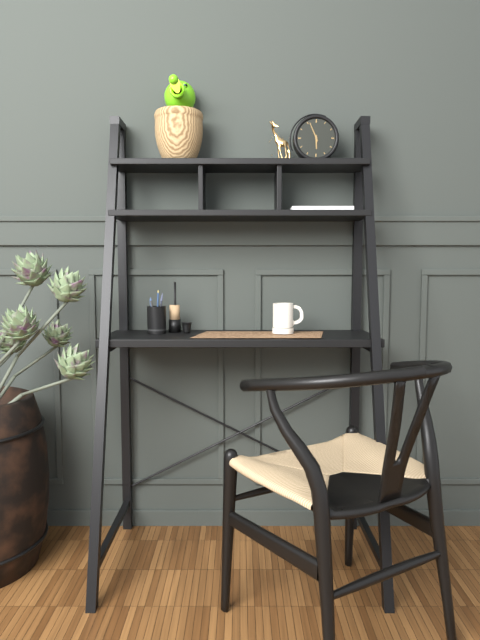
5:56
